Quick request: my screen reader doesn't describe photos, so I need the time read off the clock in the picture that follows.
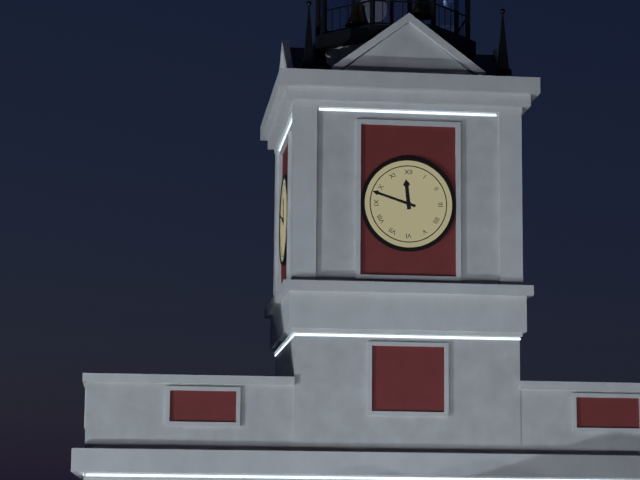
11:48
